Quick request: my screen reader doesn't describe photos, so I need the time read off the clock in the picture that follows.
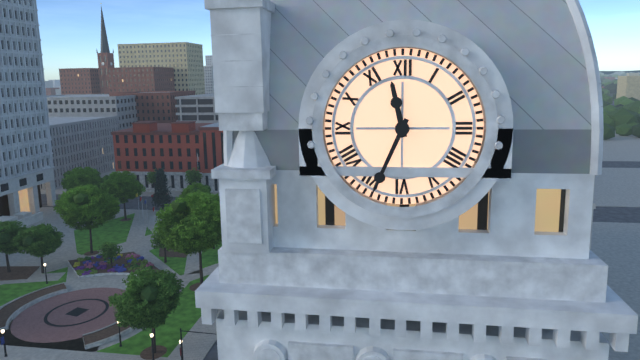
11:34
